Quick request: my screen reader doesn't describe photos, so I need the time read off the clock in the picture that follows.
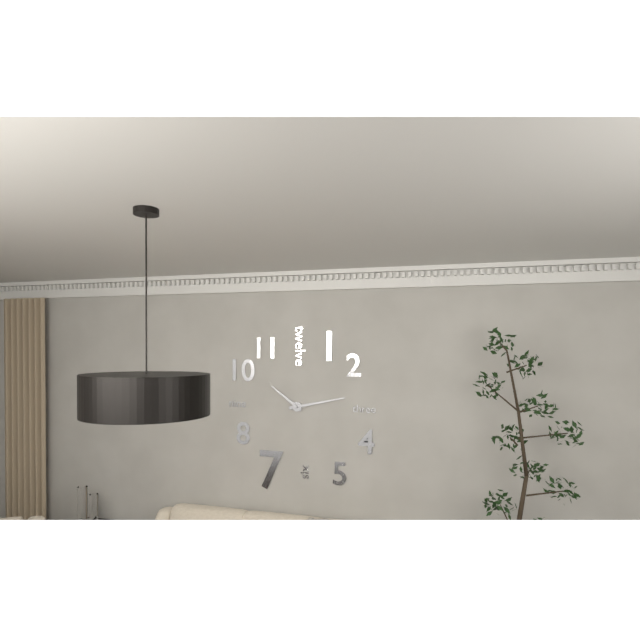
10:13
